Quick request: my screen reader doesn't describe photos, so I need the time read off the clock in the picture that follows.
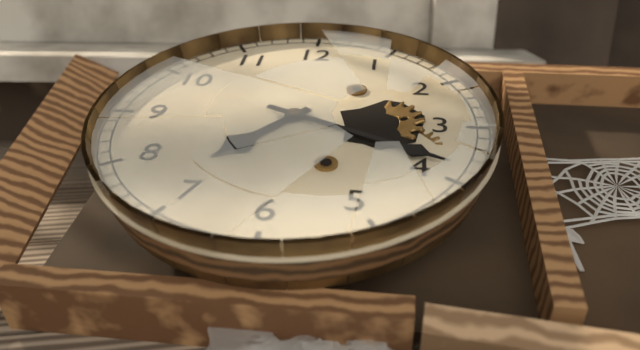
7:19
